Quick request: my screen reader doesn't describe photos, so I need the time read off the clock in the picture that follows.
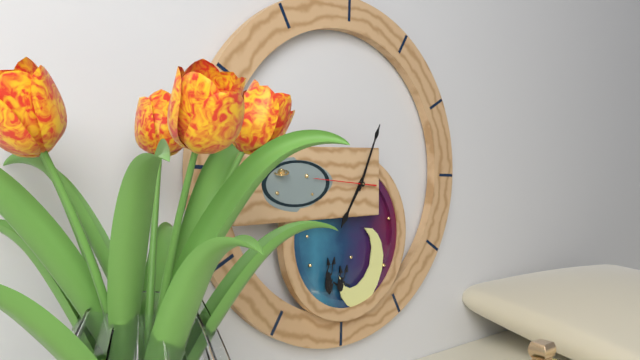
7:04
